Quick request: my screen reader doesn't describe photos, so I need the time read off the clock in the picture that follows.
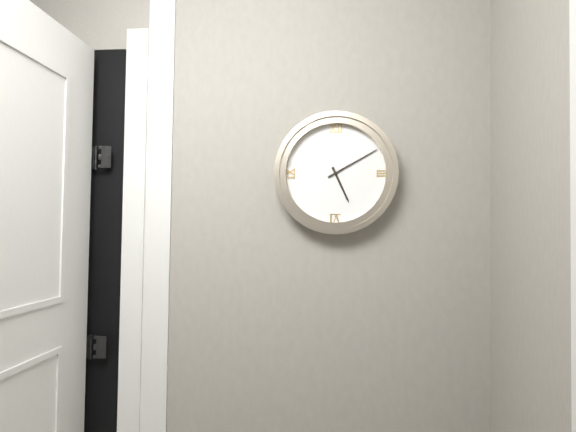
5:10
